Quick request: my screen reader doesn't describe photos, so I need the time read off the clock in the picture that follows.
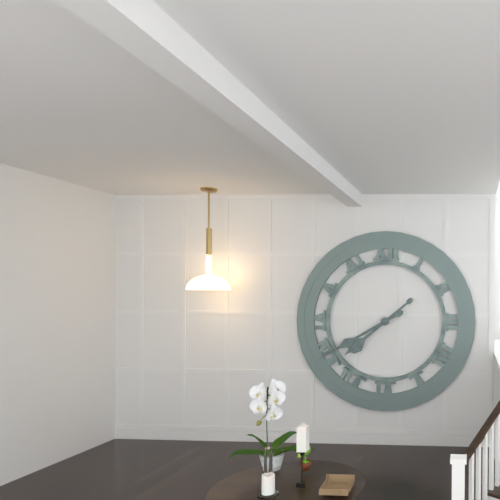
7:40
